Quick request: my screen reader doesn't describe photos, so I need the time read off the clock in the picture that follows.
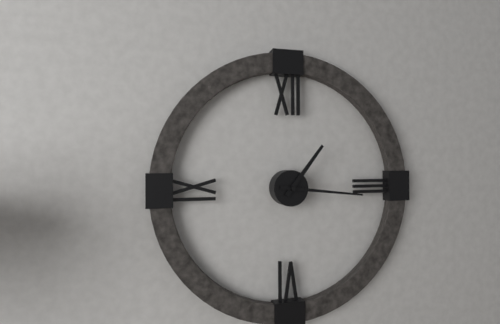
1:16
